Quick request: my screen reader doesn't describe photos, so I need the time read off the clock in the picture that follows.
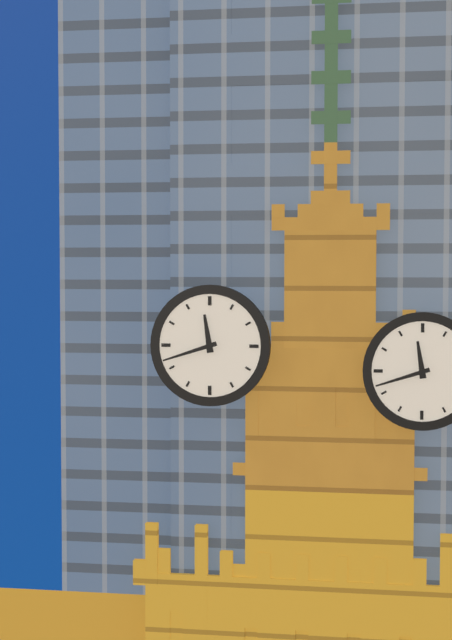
11:42
